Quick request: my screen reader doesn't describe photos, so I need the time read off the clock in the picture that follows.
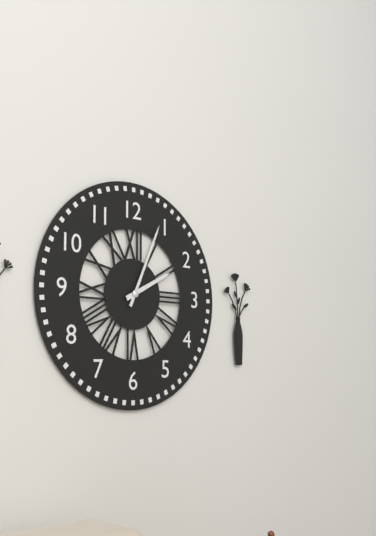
2:04
